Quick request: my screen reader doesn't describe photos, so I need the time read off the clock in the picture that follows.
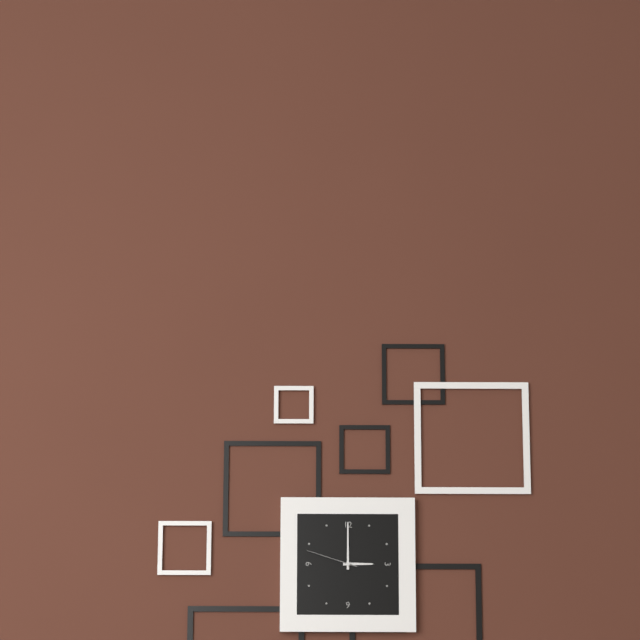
3:00:48
